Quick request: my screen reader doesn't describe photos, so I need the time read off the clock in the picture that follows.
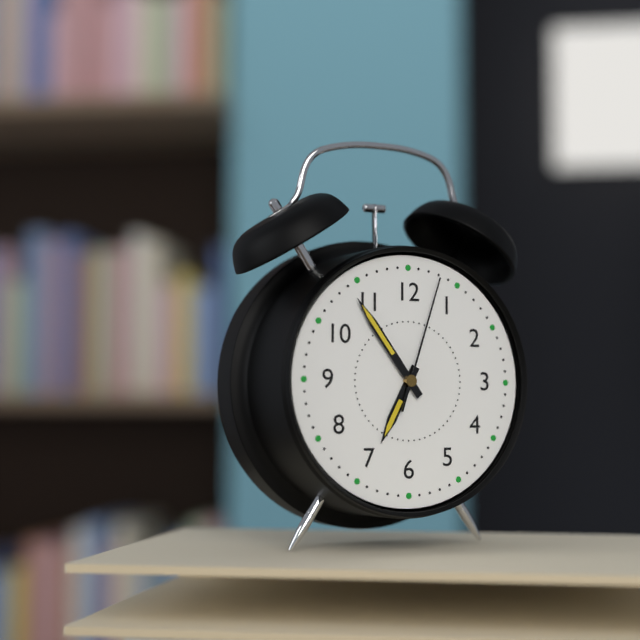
6:54:03
